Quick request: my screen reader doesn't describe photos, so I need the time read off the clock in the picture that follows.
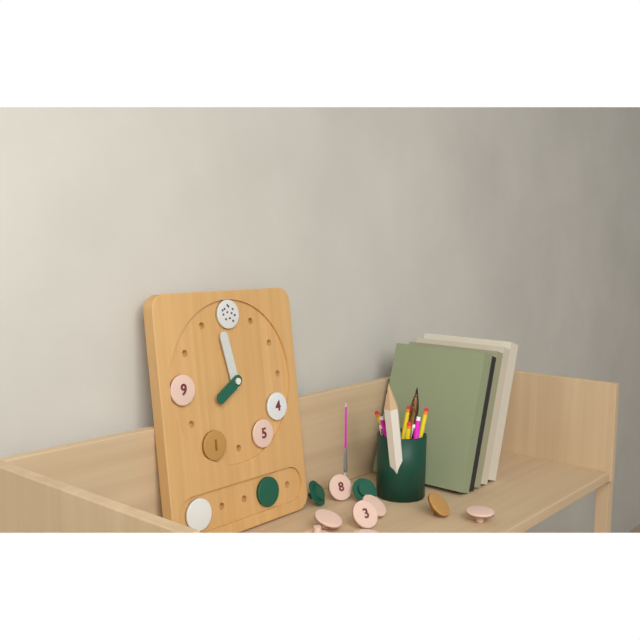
7:58
